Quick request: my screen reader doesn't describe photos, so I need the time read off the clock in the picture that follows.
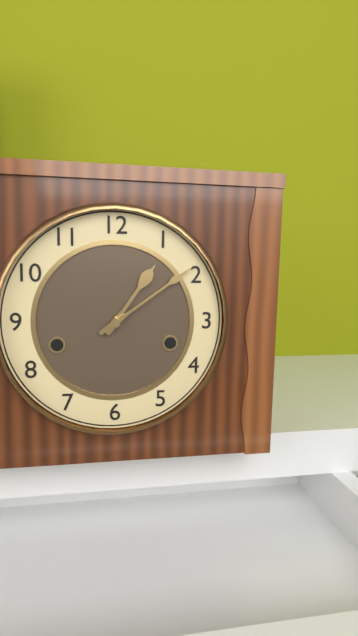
1:09
